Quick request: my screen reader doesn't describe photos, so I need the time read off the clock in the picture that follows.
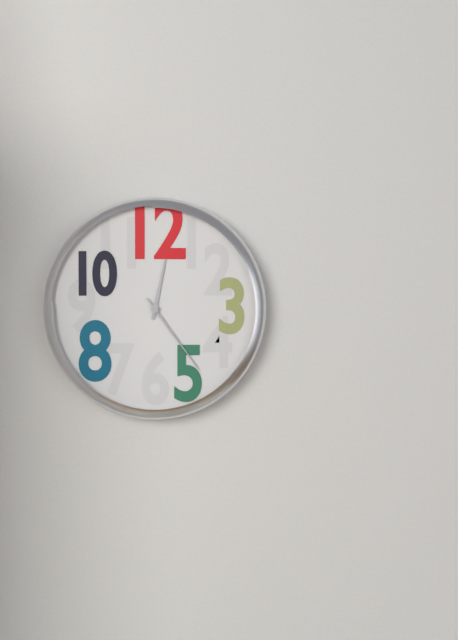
12:24
